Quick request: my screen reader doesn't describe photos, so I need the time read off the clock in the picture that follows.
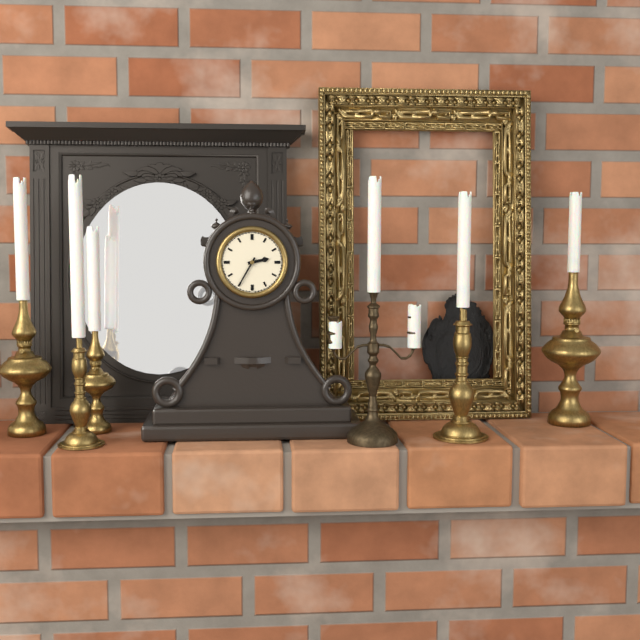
2:35
